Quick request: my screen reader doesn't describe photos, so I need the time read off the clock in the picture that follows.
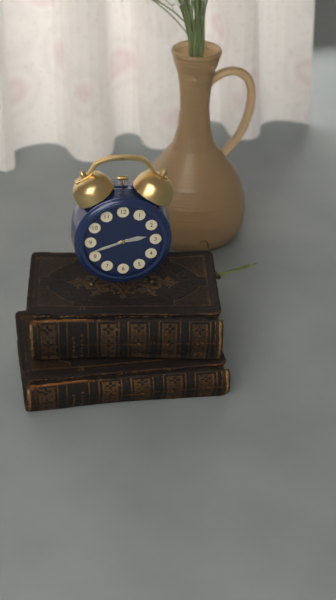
2:42
